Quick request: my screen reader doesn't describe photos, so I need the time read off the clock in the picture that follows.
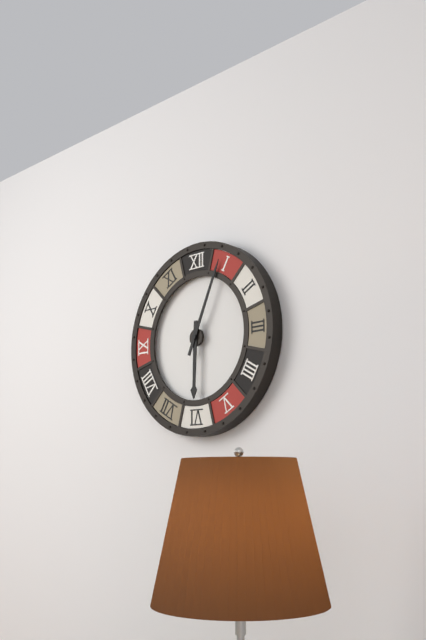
6:04
